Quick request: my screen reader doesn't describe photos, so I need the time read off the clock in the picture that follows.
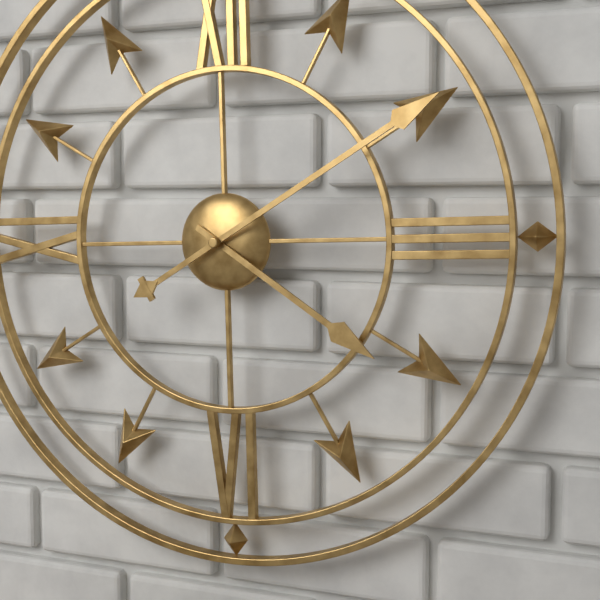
4:10
